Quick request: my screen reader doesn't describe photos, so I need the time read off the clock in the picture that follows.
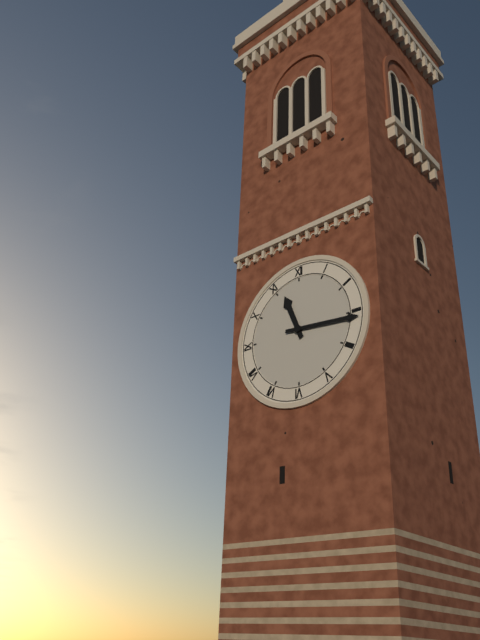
11:16
